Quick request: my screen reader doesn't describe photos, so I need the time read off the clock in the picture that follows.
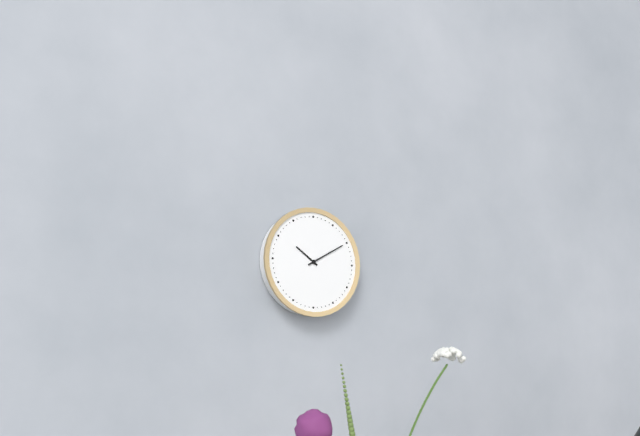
10:10
